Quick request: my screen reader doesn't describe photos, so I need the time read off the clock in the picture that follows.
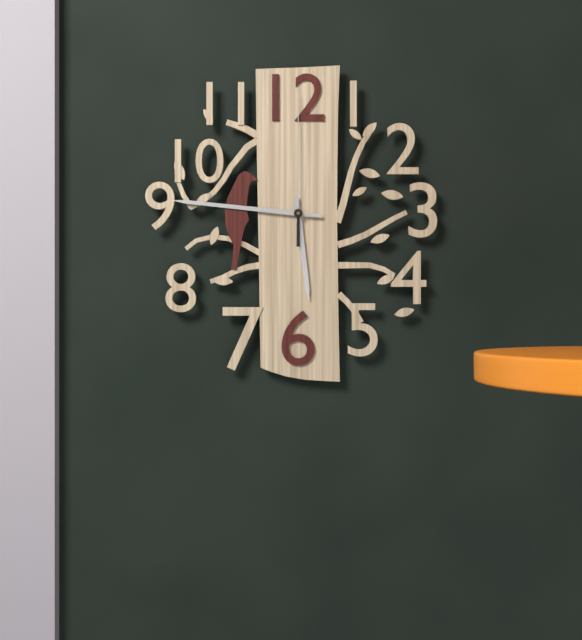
5:46:00
